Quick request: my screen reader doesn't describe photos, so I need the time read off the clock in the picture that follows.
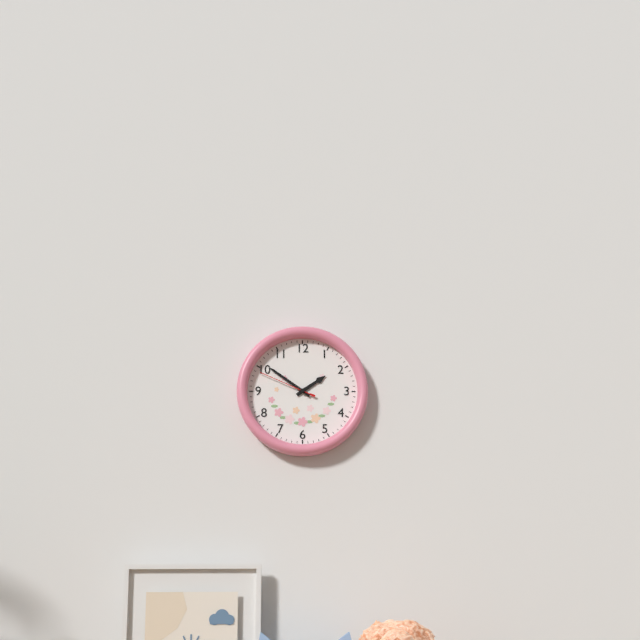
1:51:49
